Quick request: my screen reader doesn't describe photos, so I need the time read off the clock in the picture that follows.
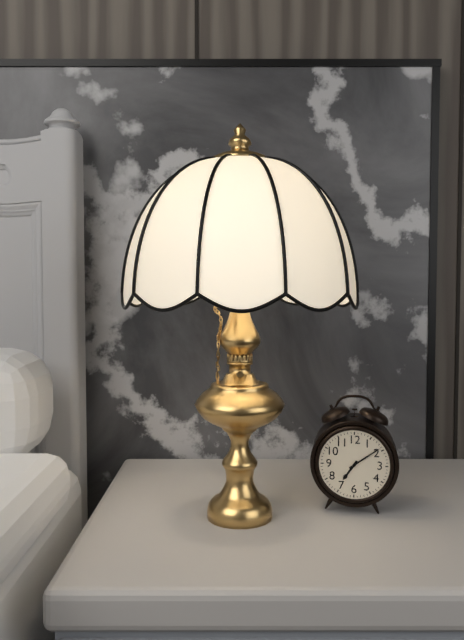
7:09
